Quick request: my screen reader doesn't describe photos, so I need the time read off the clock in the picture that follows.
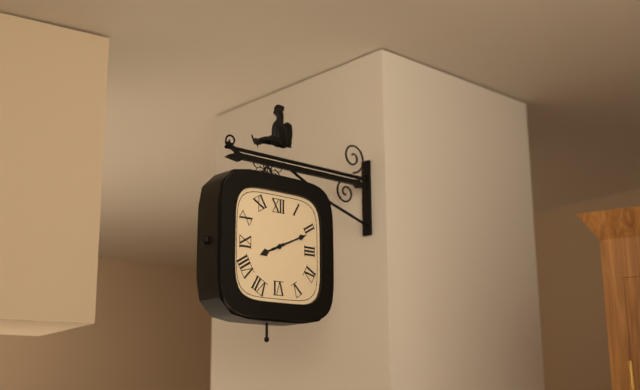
8:11
